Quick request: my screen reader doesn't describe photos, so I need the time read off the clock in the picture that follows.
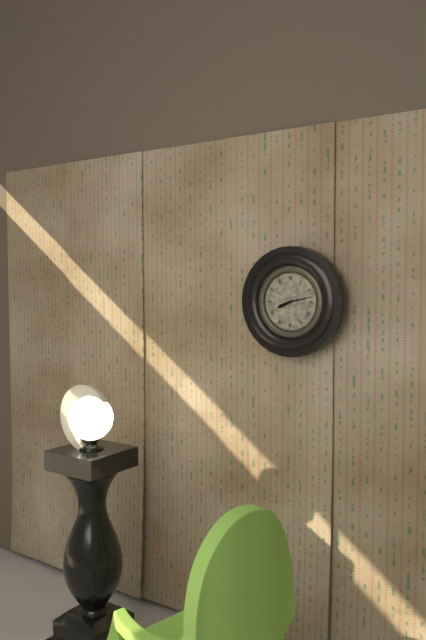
8:13
